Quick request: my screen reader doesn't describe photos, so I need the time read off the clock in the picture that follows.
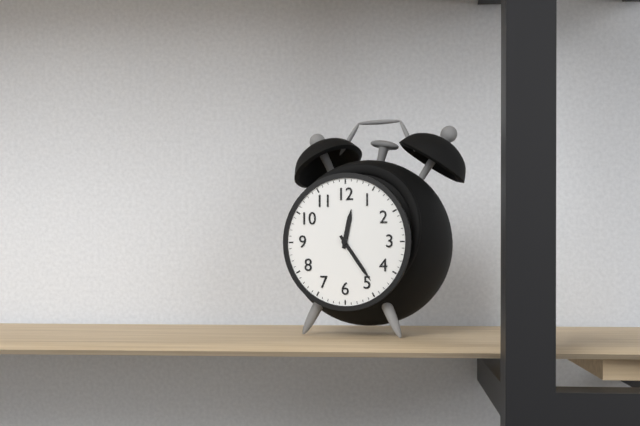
12:24
